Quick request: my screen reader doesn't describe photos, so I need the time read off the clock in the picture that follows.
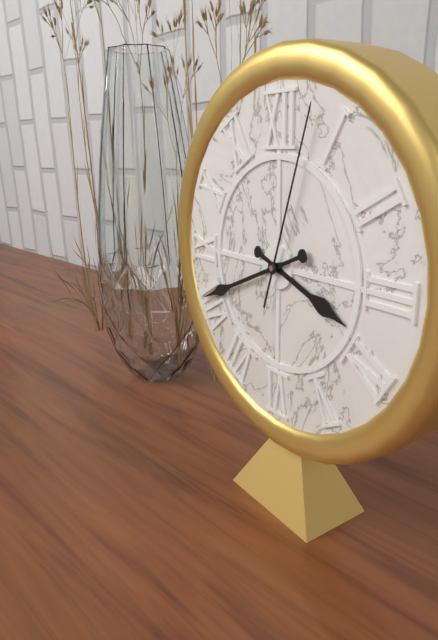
3:41:03
